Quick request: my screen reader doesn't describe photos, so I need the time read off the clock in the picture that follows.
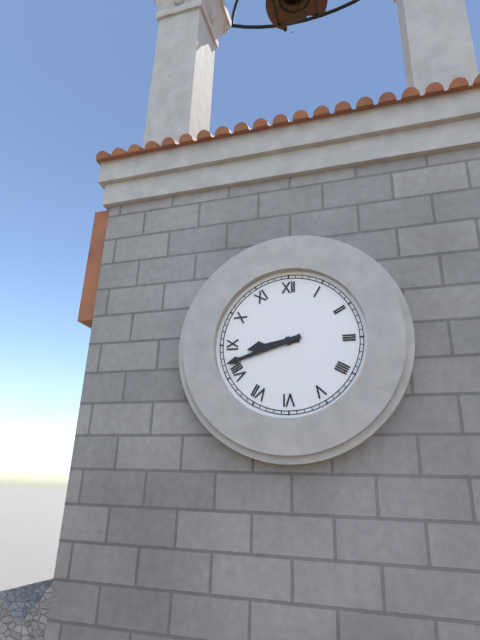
8:42
